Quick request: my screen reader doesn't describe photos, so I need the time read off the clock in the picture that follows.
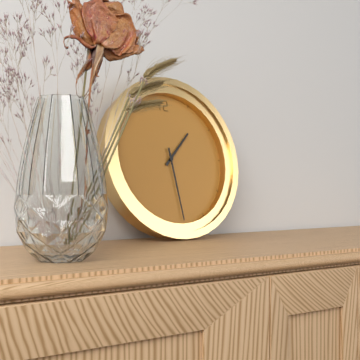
1:29
